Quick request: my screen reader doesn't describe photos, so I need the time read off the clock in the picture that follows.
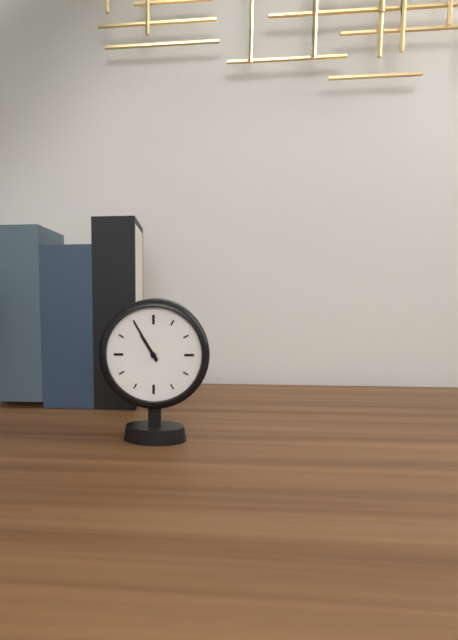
10:55
